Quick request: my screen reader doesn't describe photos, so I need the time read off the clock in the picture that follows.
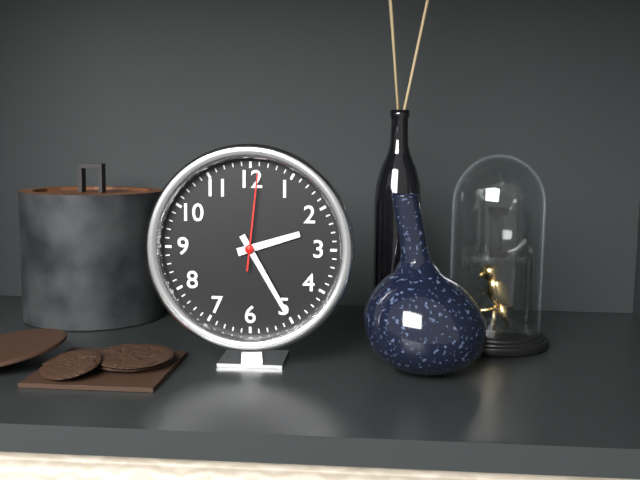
2:25:01
